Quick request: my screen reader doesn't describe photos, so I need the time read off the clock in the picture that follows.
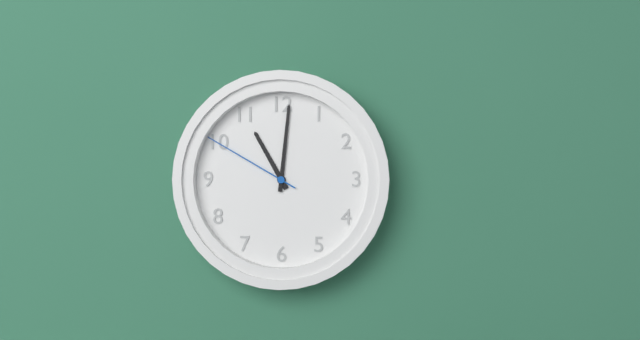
11:01:50
